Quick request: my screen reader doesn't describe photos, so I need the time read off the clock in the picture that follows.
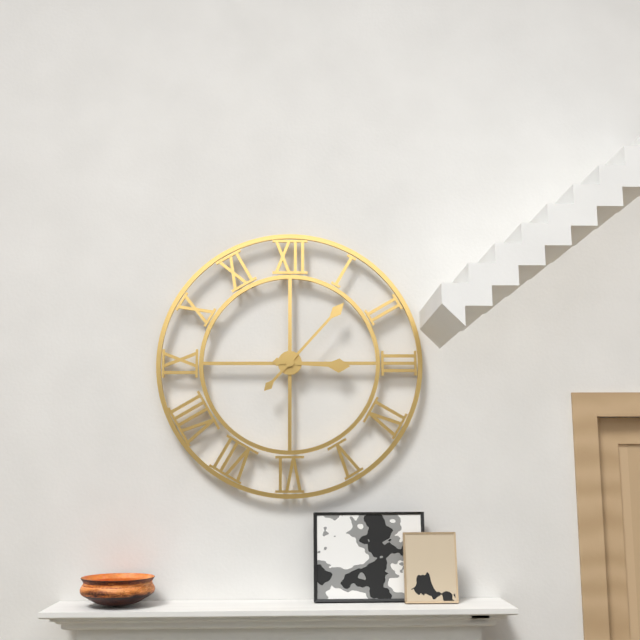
3:07
